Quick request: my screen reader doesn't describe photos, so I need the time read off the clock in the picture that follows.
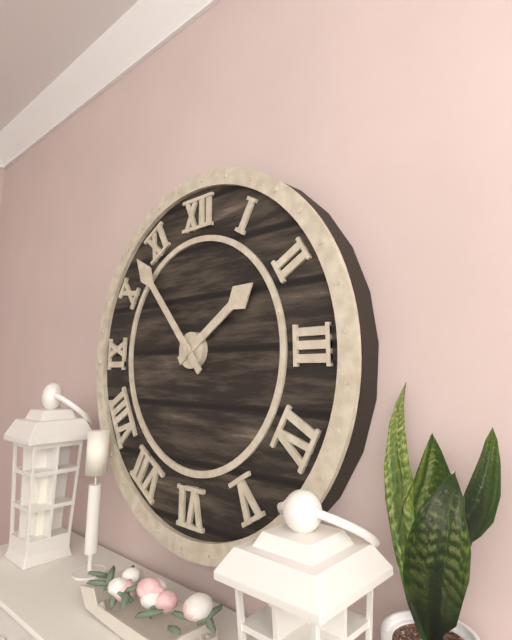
1:53
